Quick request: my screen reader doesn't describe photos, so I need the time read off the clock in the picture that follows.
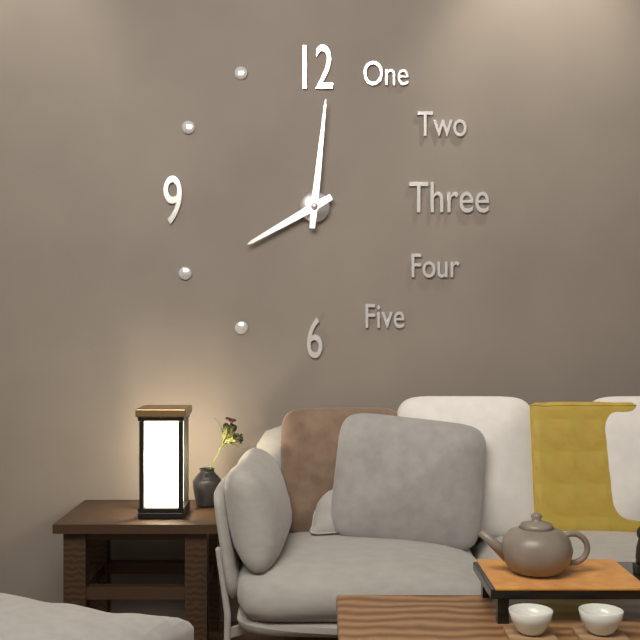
8:01
